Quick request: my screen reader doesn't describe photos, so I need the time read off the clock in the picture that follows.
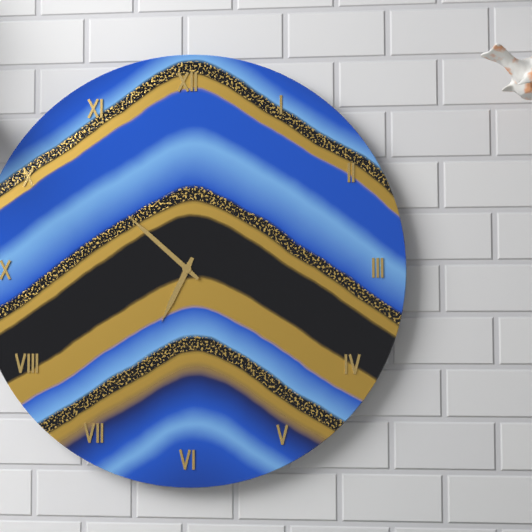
6:52
